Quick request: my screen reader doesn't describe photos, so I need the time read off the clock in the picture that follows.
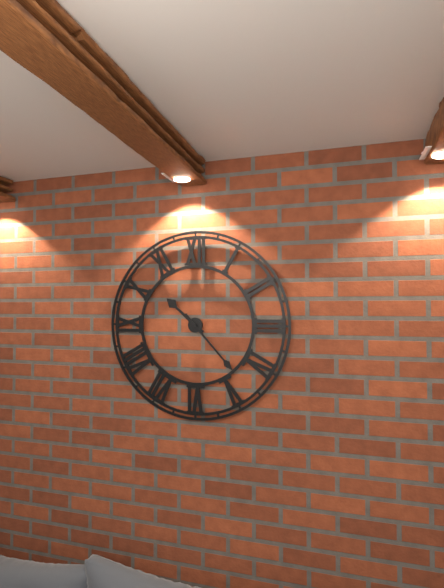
10:23
